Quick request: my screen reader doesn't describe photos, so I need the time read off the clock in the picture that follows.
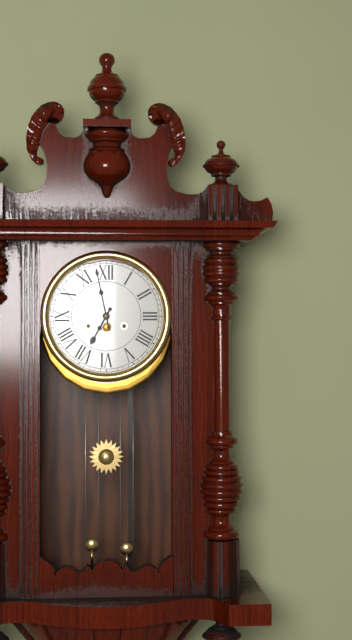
6:58
